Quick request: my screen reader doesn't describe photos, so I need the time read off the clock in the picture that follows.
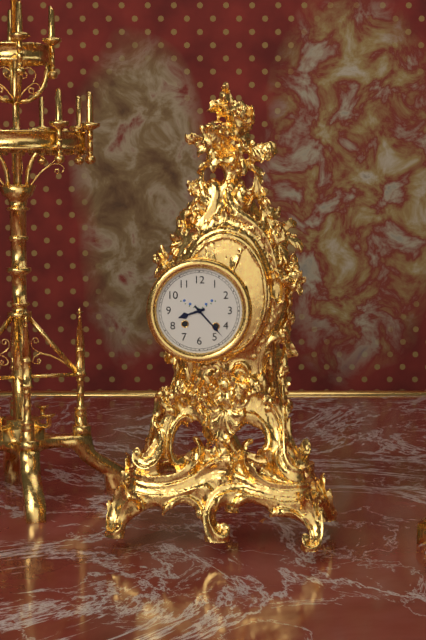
8:23
